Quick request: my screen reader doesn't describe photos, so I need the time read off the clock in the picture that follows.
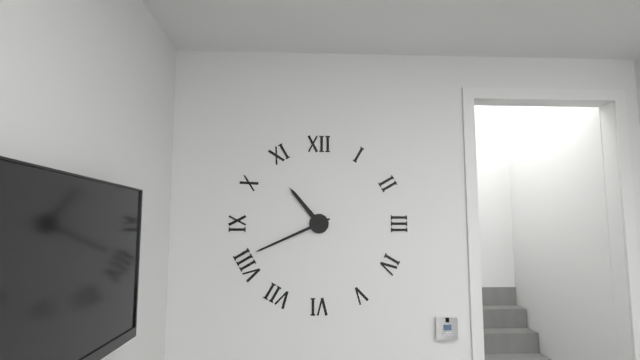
10:41
